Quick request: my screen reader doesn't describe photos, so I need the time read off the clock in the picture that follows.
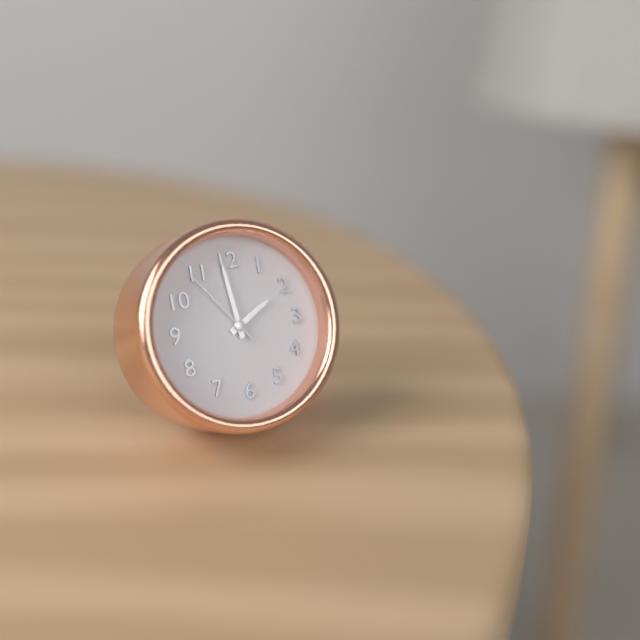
1:59:54
